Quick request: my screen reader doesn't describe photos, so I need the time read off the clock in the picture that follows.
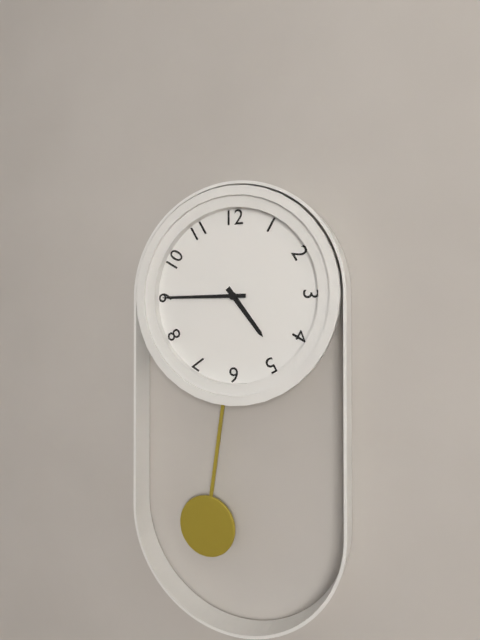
4:45
